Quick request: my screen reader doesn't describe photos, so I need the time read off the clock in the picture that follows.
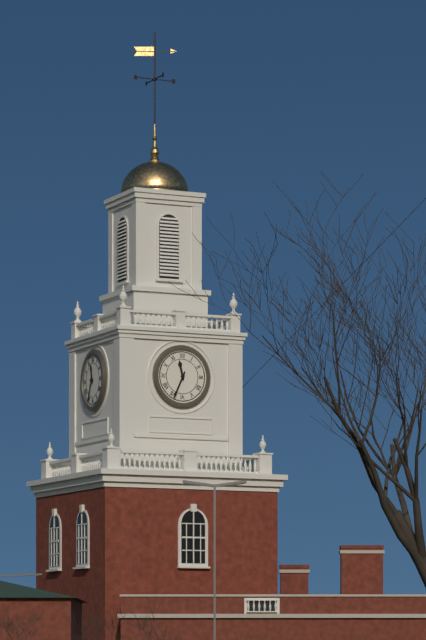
11:34
